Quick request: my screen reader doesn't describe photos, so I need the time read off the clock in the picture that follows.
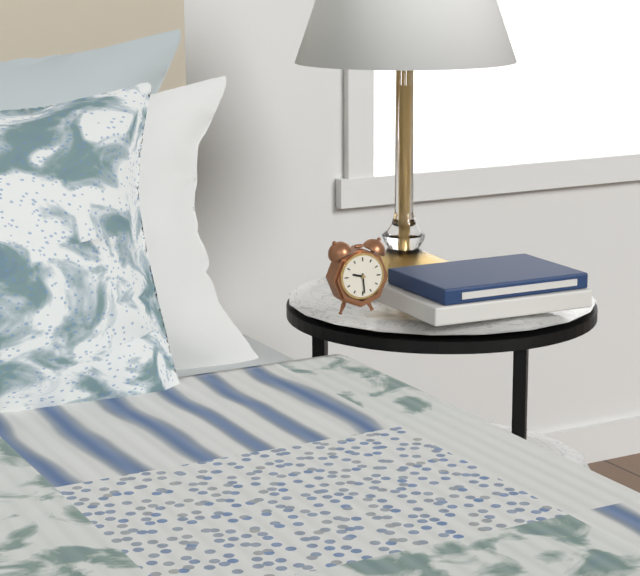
9:29
